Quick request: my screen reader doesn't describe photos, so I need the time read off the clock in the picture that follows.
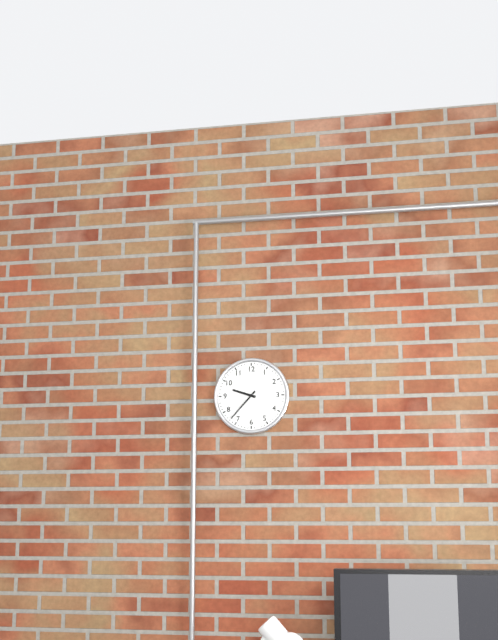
9:37
